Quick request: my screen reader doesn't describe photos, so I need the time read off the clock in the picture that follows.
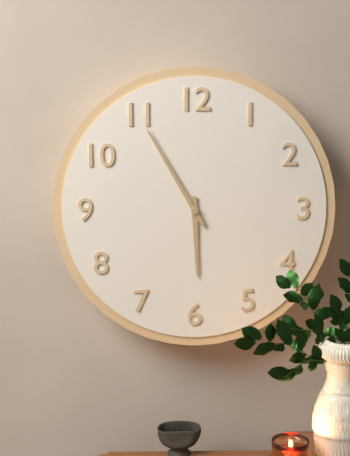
5:55
